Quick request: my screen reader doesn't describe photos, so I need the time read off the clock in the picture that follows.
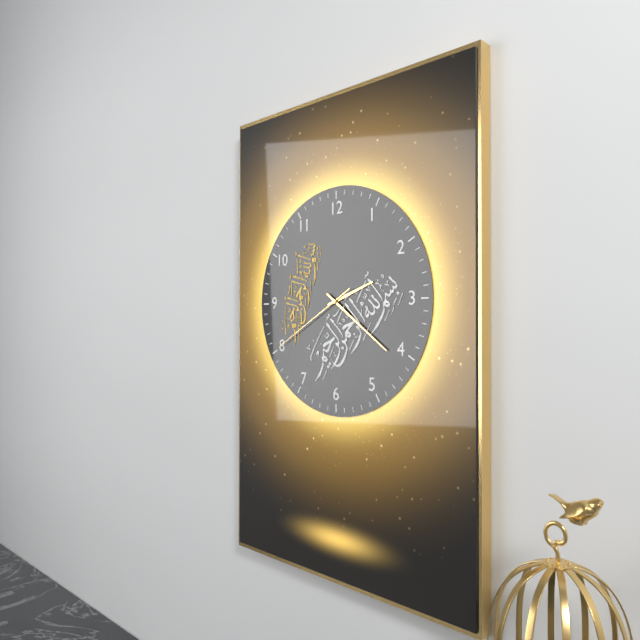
2:21:40
